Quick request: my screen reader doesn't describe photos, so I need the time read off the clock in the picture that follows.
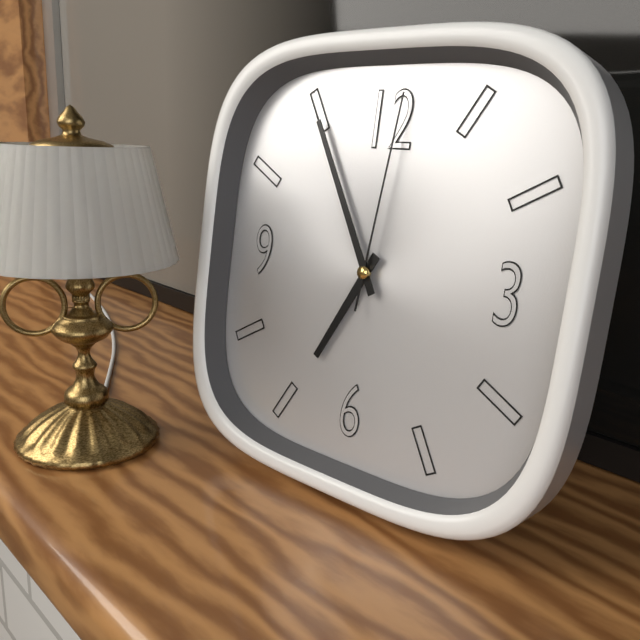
6:55:01
